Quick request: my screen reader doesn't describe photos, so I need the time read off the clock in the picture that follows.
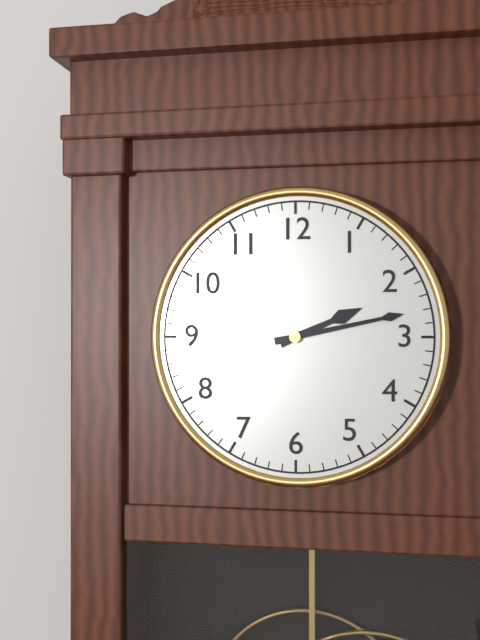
2:13
